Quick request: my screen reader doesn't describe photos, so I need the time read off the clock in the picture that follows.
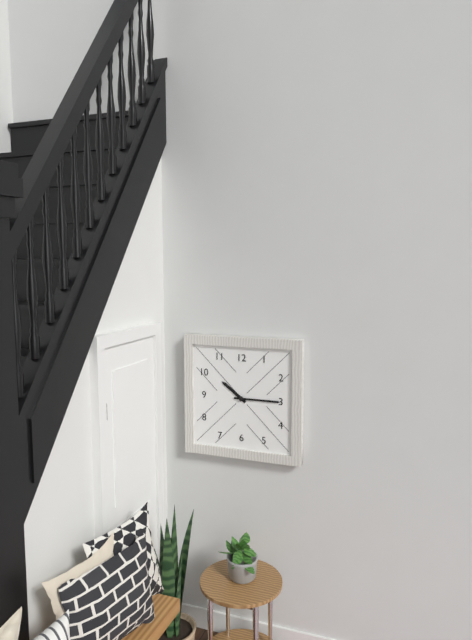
10:15
